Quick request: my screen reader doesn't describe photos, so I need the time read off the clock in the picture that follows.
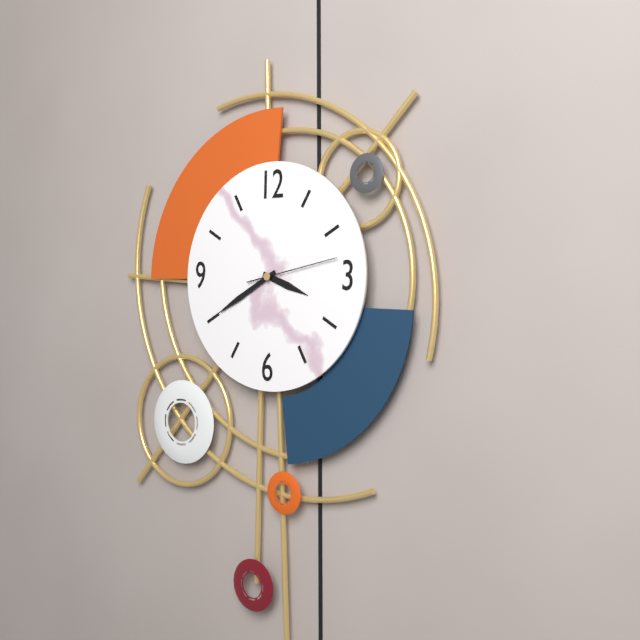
3:40:13
